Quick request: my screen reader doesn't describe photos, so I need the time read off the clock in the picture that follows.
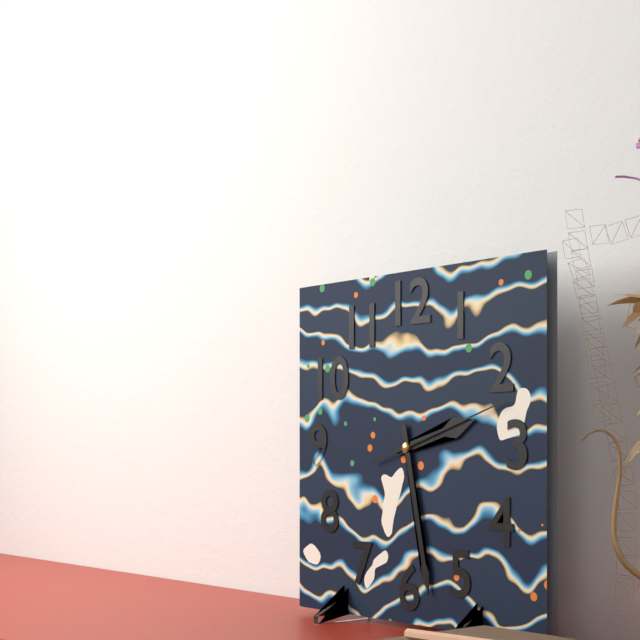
2:28:12
